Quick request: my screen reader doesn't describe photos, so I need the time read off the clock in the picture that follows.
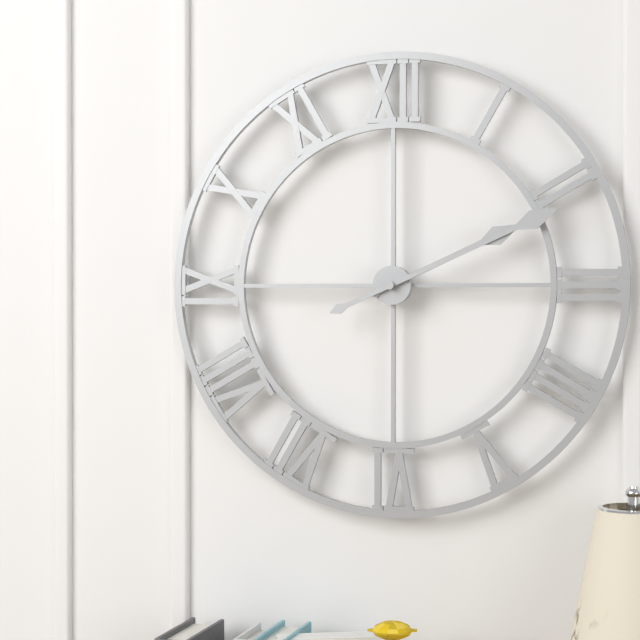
2:11
